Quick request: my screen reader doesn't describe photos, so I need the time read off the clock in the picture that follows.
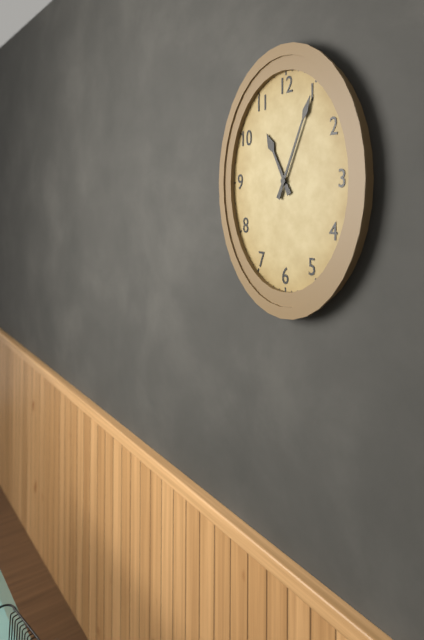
11:04
